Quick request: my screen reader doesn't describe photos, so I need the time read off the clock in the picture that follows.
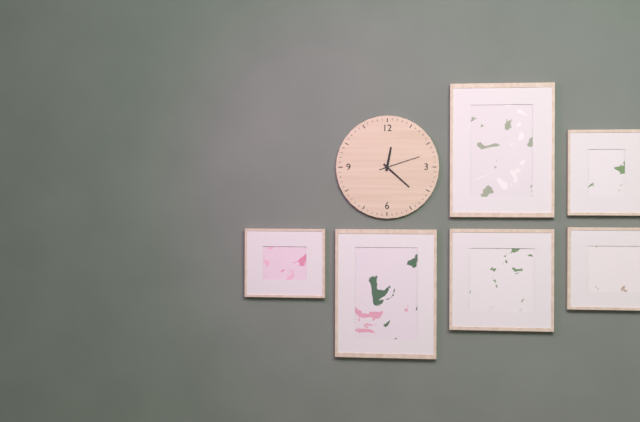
12:22
